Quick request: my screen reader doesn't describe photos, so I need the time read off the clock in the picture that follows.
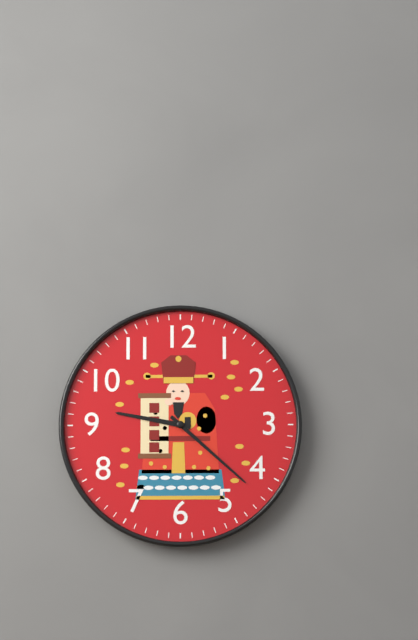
9:22
